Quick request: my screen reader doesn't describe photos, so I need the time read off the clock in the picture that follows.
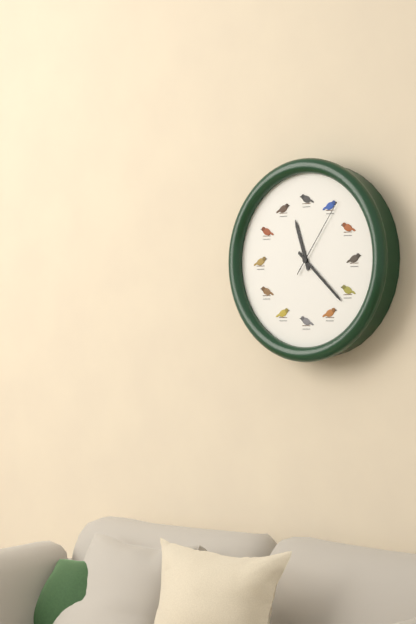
11:22:06
